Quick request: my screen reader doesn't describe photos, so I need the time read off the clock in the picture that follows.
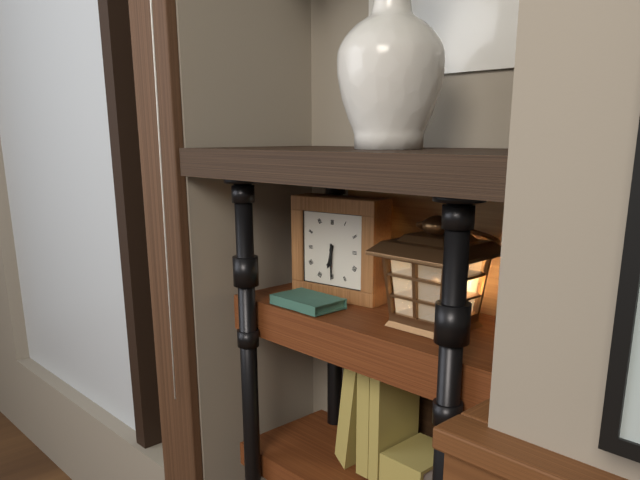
6:30
